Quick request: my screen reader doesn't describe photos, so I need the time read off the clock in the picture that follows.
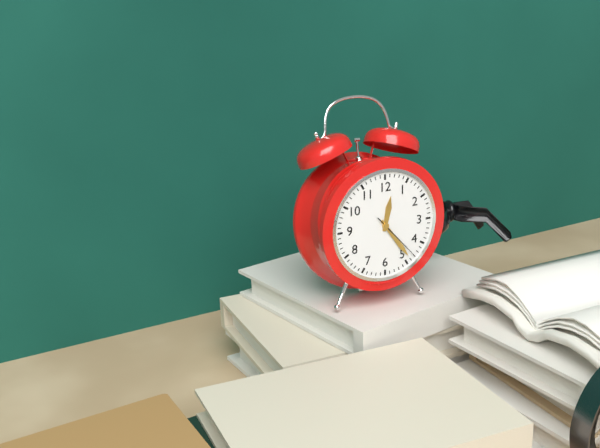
12:24:23
